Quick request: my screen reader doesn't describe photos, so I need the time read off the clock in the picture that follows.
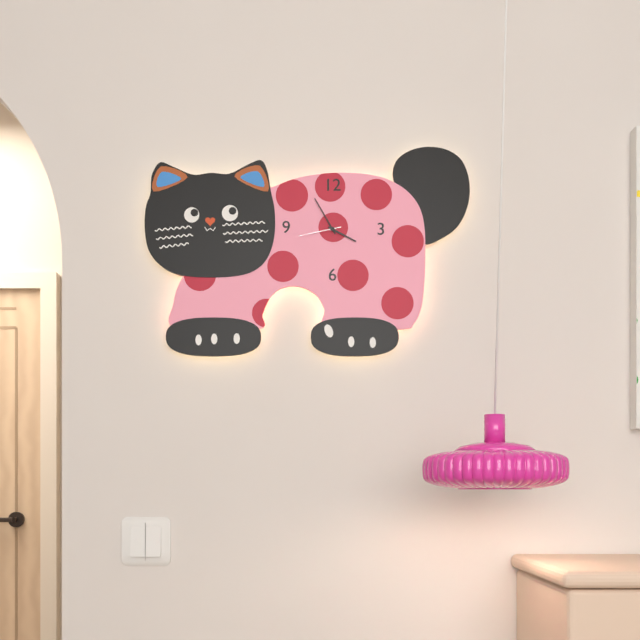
3:55
